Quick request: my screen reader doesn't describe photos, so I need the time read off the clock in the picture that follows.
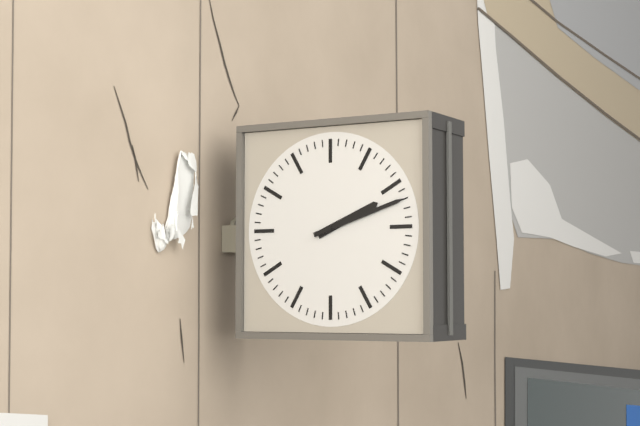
2:12
